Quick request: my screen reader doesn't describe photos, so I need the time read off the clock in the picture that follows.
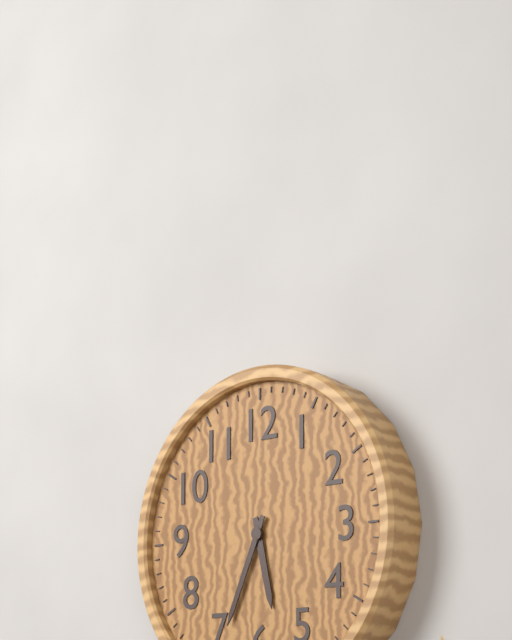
5:34
